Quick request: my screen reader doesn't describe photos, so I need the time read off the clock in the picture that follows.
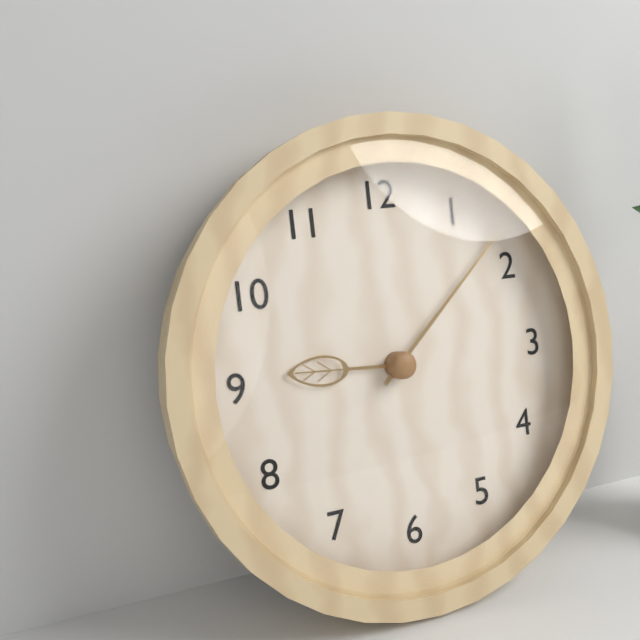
9:08
